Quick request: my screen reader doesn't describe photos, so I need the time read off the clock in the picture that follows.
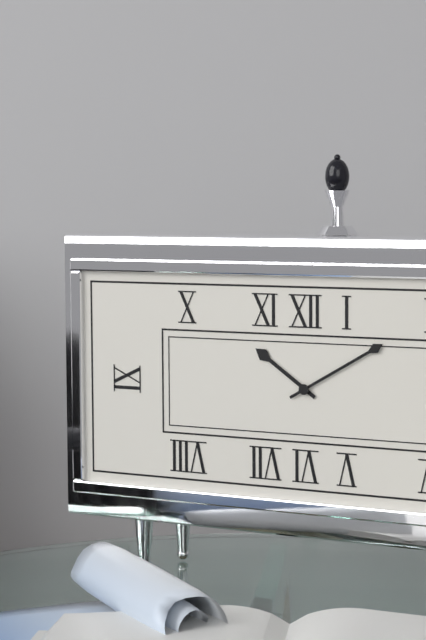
10:10
